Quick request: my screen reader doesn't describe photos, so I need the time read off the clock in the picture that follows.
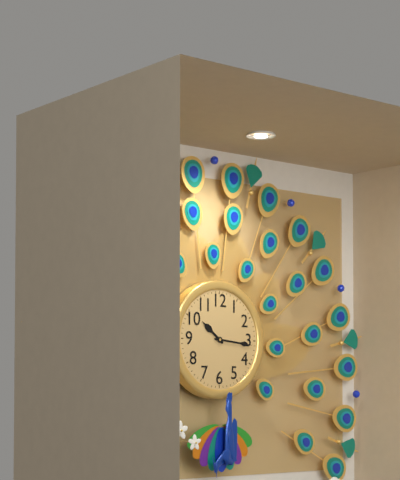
10:16
